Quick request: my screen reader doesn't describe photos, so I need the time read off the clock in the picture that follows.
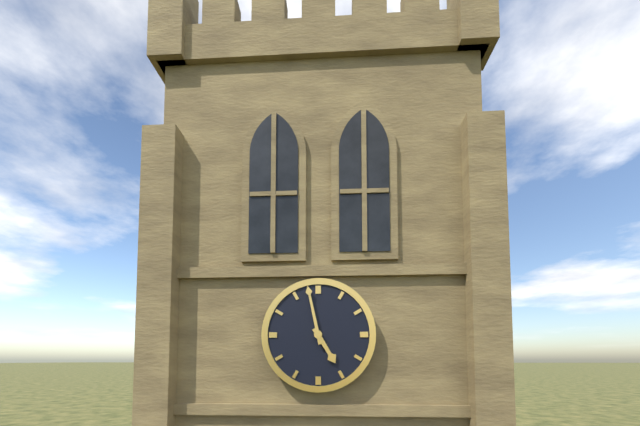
4:58
